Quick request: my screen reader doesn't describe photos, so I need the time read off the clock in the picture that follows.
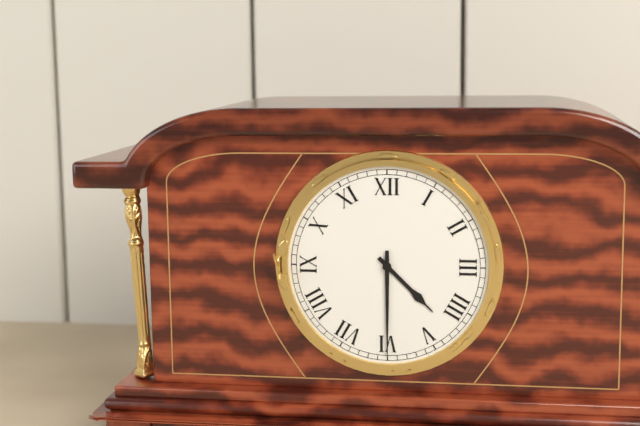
4:30
